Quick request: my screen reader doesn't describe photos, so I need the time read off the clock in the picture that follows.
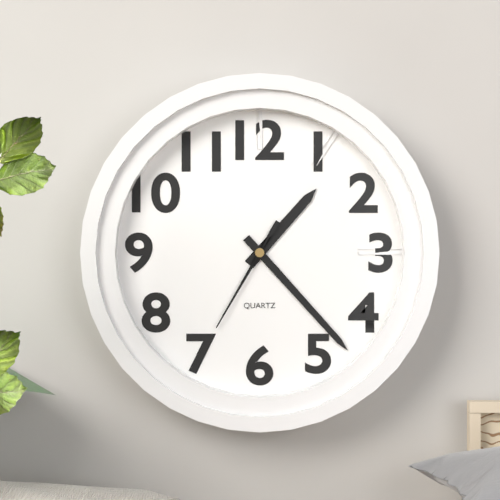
1:23:35
